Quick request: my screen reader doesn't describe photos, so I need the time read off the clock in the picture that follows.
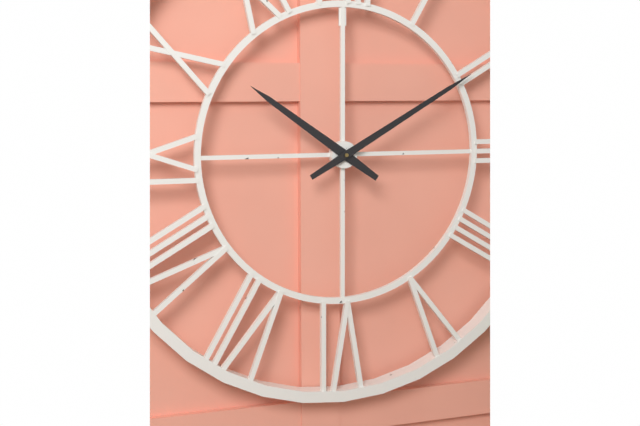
10:10
